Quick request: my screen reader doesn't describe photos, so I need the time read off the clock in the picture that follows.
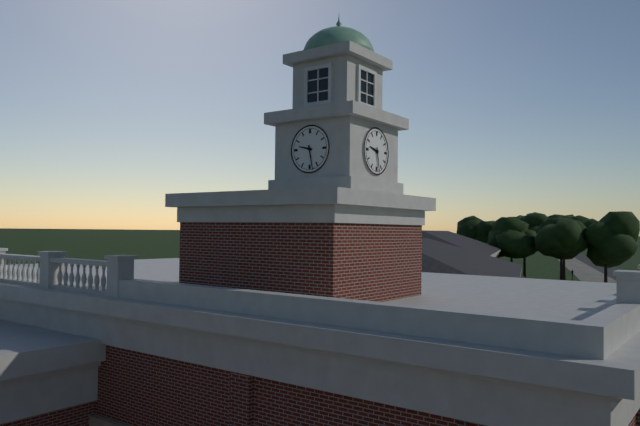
9:28
